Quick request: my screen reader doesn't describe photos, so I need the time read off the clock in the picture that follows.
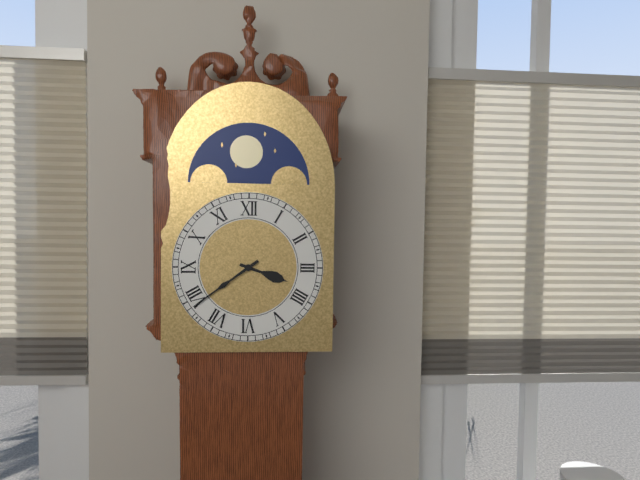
3:39
